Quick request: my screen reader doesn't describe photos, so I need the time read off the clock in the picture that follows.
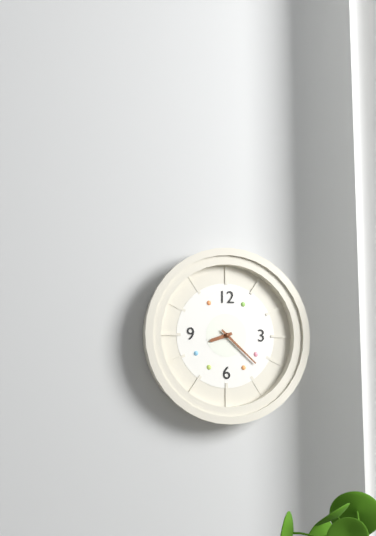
8:22
